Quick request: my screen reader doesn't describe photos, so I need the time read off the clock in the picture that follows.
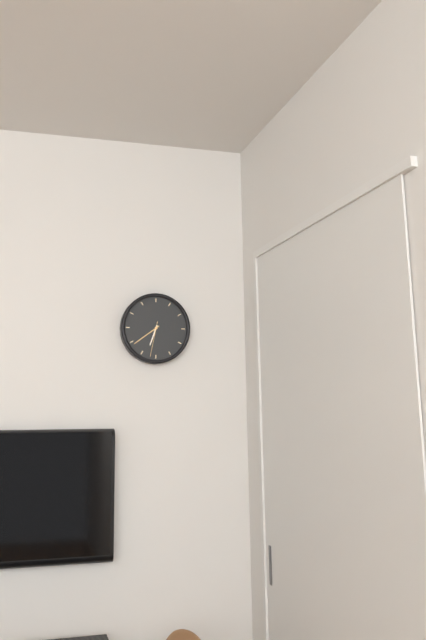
6:39
